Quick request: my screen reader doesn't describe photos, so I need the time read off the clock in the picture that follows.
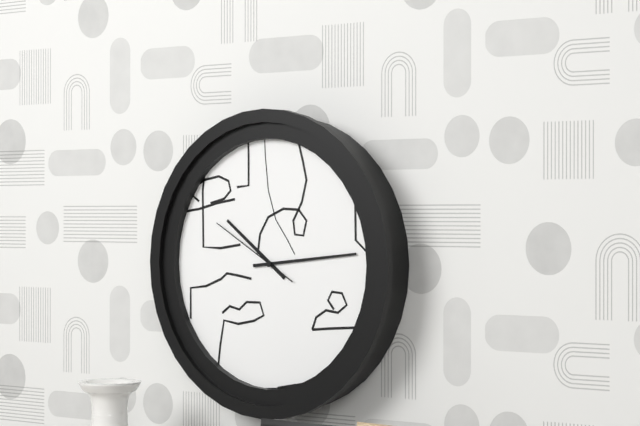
10:14:50
